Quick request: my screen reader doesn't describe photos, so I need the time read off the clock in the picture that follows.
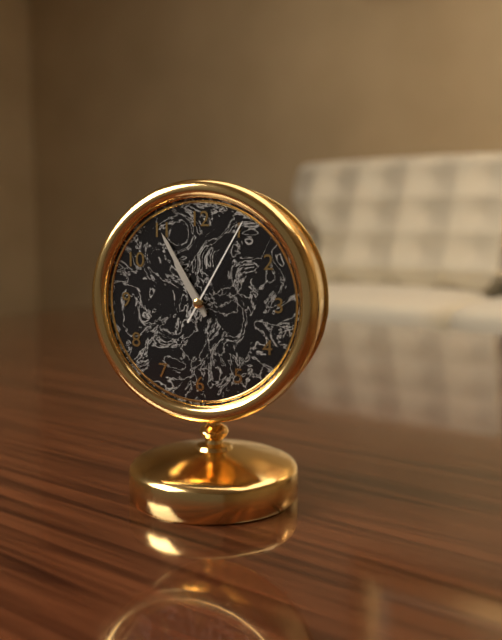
10:55:05
